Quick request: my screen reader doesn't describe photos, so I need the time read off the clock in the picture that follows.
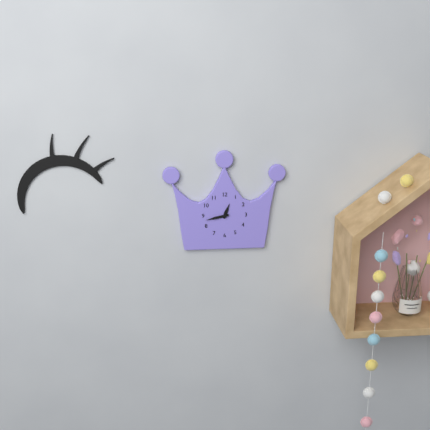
12:43
